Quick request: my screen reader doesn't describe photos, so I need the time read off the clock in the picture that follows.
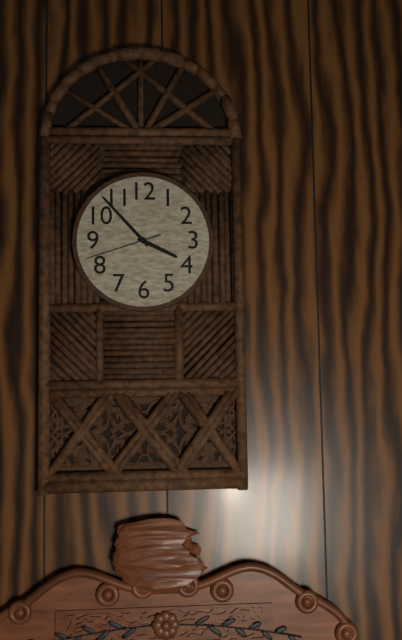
3:53:42
